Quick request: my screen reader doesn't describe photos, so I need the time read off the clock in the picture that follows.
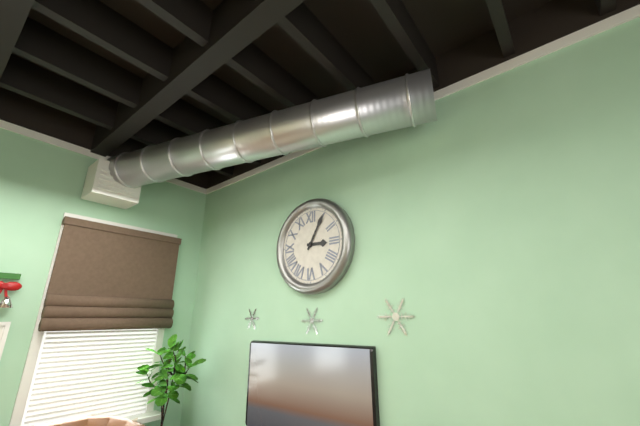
3:05
